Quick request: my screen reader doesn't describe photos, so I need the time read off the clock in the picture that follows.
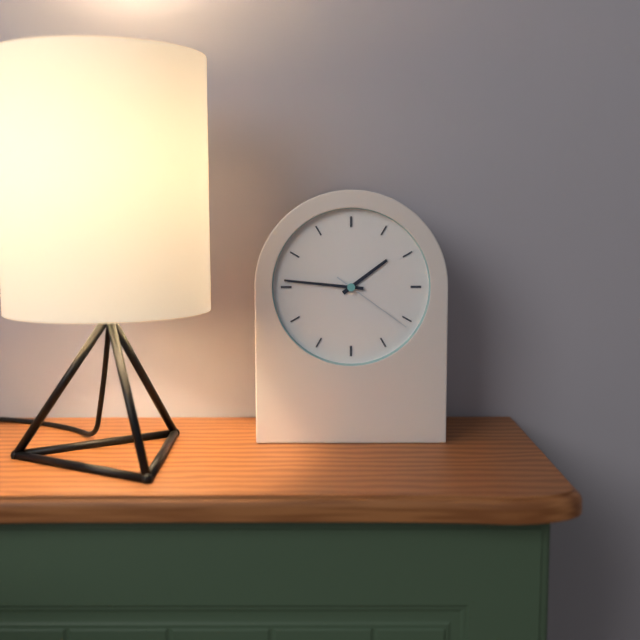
1:46:21
